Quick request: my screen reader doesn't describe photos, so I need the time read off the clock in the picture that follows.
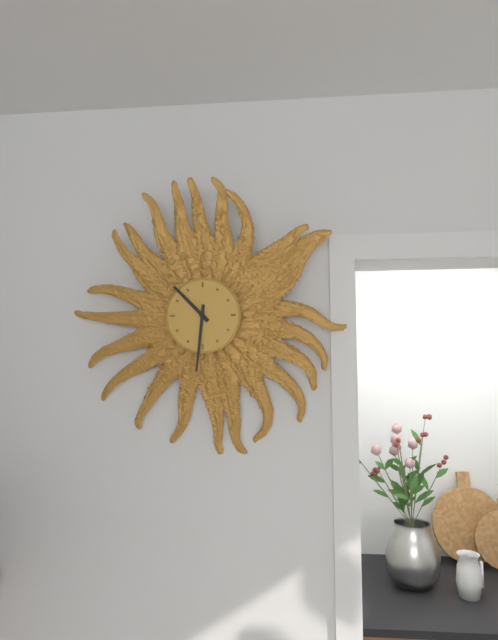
10:31
